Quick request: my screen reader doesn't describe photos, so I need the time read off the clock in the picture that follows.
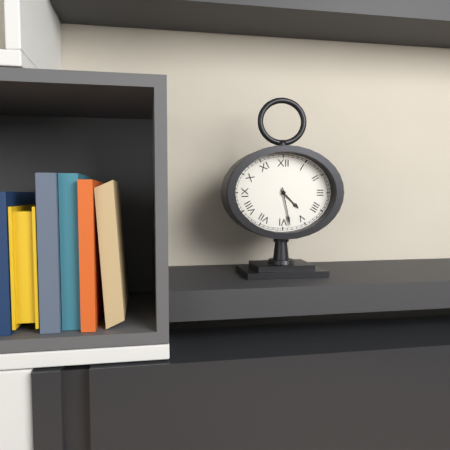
4:28
